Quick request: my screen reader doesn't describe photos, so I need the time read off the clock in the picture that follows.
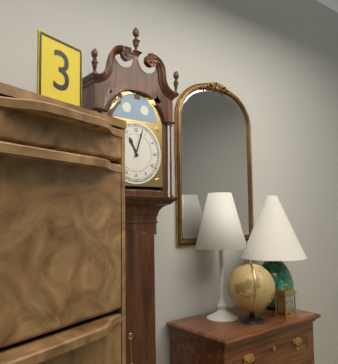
11:03
